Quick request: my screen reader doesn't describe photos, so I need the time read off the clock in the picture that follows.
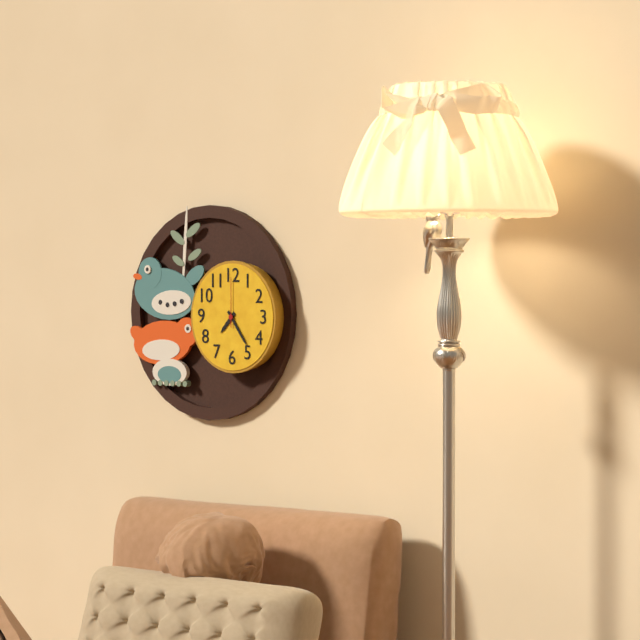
7:24
